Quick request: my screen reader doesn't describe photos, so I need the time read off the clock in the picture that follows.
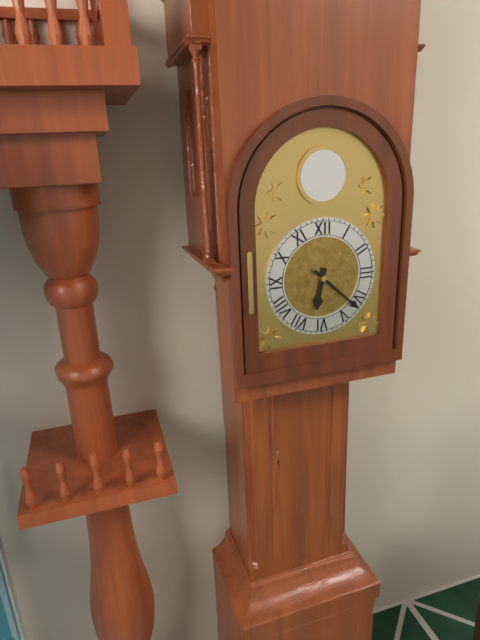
6:22
